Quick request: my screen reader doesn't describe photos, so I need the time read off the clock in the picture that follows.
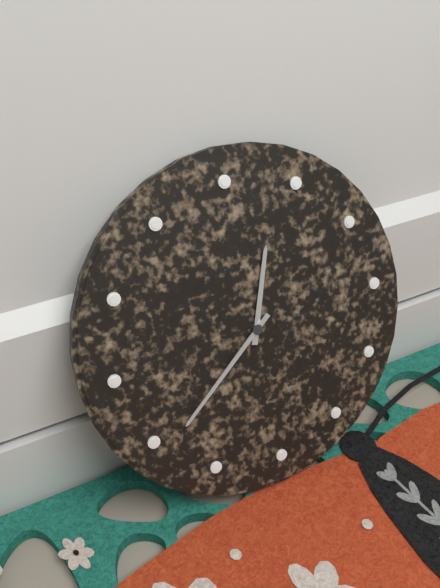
12:39
